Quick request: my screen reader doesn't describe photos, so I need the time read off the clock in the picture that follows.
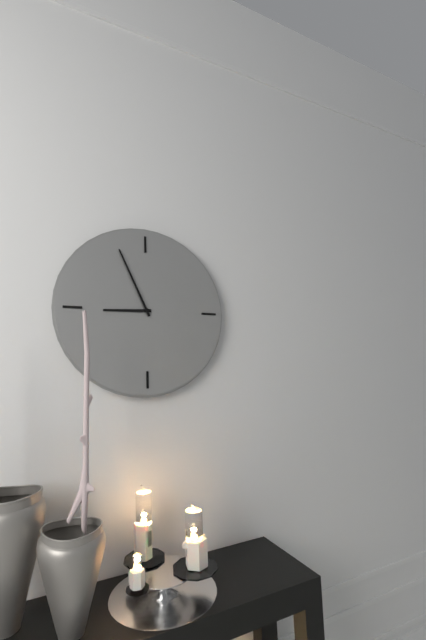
8:56
